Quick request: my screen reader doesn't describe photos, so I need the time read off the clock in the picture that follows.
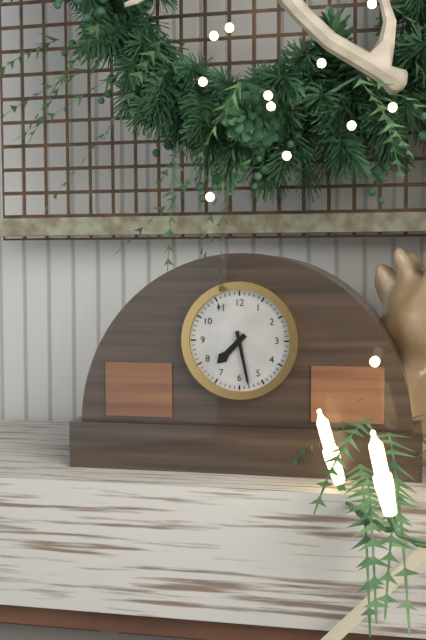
7:28
